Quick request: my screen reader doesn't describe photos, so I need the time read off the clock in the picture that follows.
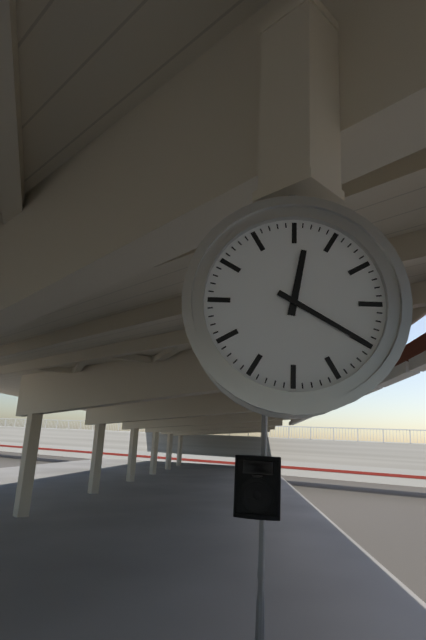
12:20
